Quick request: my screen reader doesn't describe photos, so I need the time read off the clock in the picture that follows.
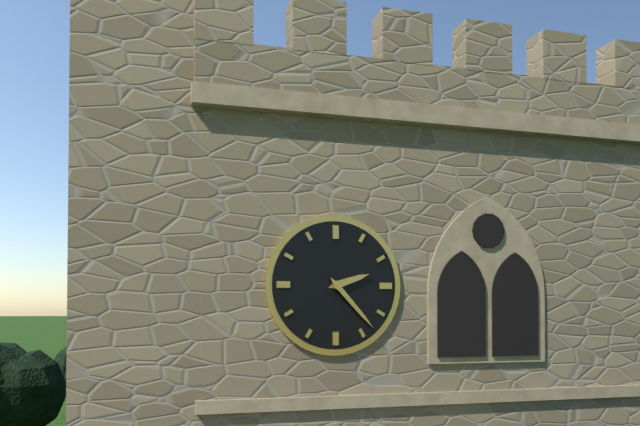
2:23
